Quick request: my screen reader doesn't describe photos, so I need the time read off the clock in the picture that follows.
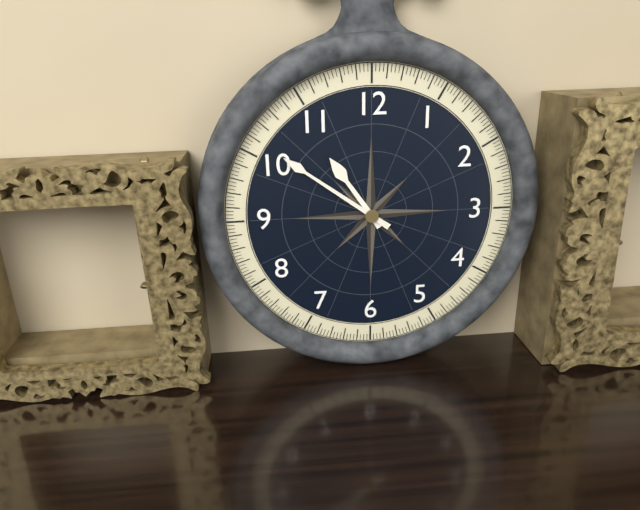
10:51
